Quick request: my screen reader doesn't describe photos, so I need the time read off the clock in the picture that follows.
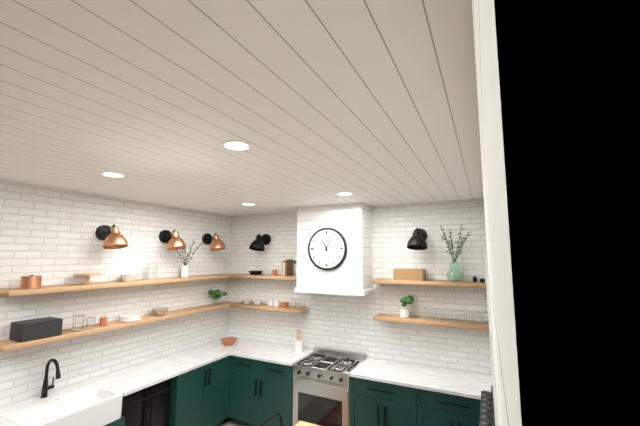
11:04
